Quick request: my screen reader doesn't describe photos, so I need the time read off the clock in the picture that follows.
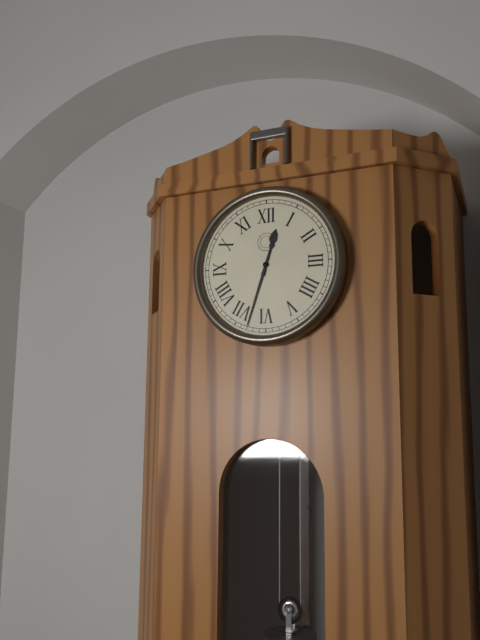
12:33
